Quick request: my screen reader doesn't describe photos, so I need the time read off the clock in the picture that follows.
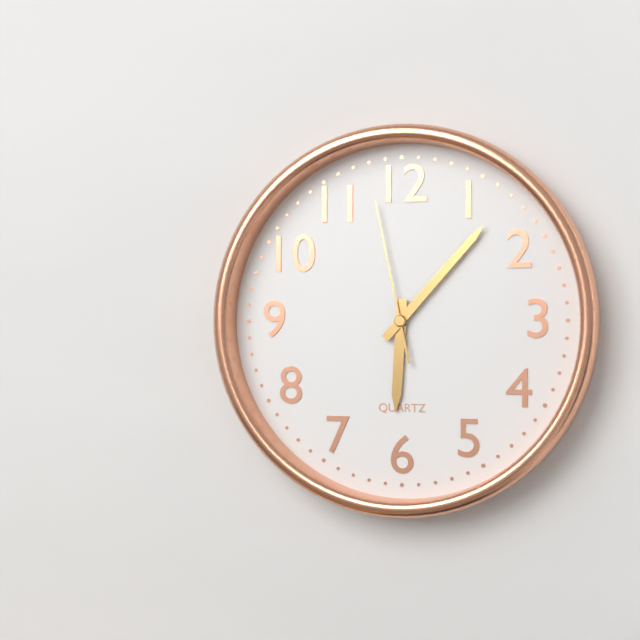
6:07:58
